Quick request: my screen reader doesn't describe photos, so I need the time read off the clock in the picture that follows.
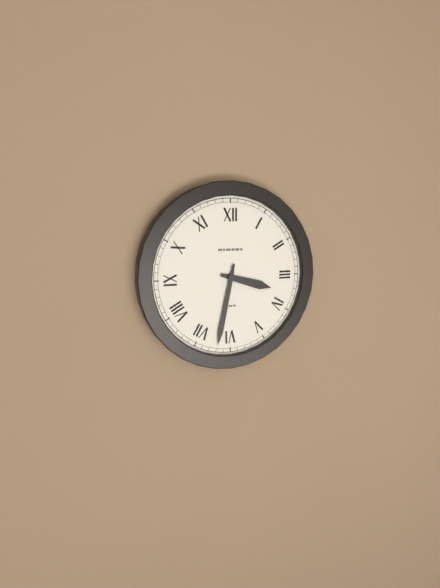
3:32
